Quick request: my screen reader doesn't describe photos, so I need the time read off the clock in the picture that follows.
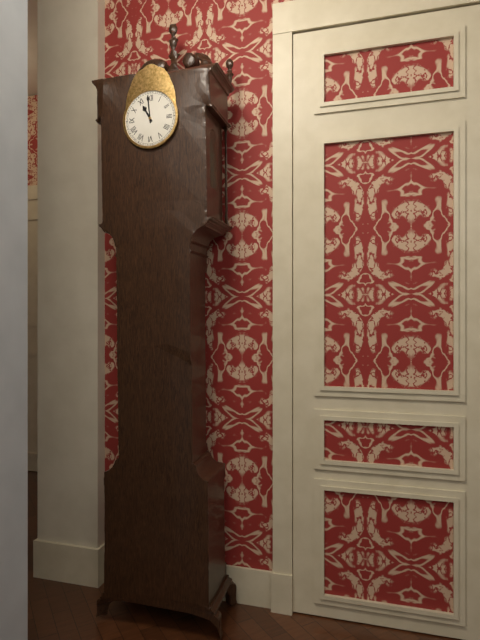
10:59
